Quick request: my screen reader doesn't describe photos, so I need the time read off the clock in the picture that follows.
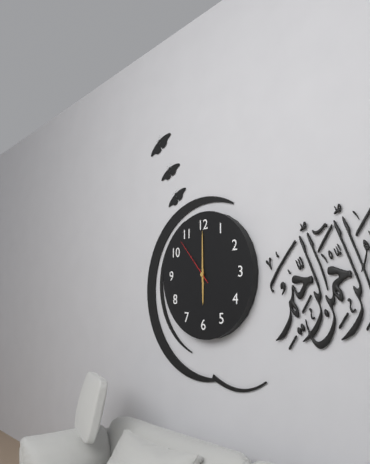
6:00
